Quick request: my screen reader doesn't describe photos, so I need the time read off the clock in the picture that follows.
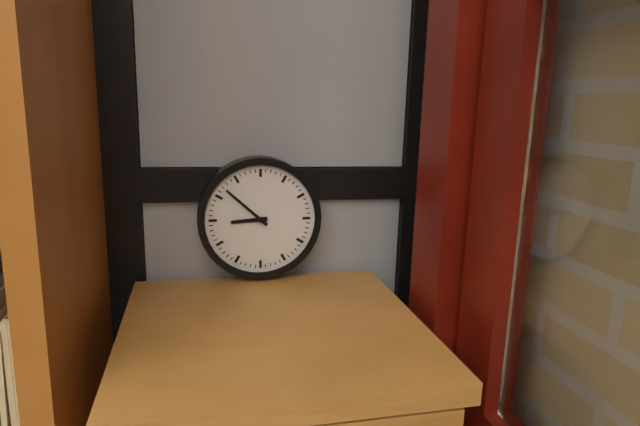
8:52
